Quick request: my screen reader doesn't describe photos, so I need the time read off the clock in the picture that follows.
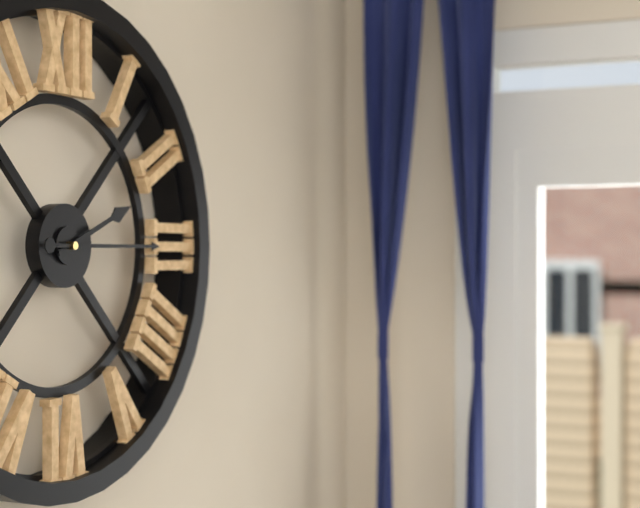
2:15
